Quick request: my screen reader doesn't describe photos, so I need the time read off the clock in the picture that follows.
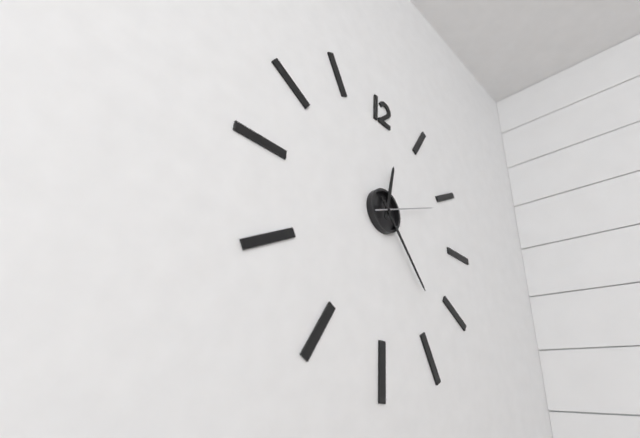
12:23:11
